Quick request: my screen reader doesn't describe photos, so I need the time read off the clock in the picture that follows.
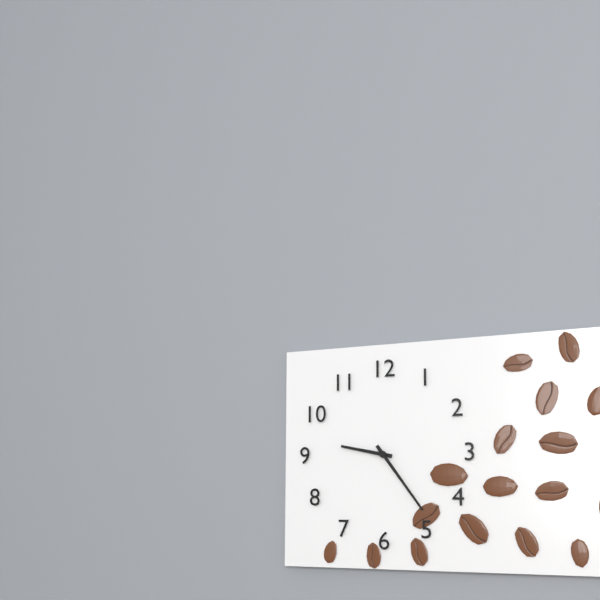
9:24
